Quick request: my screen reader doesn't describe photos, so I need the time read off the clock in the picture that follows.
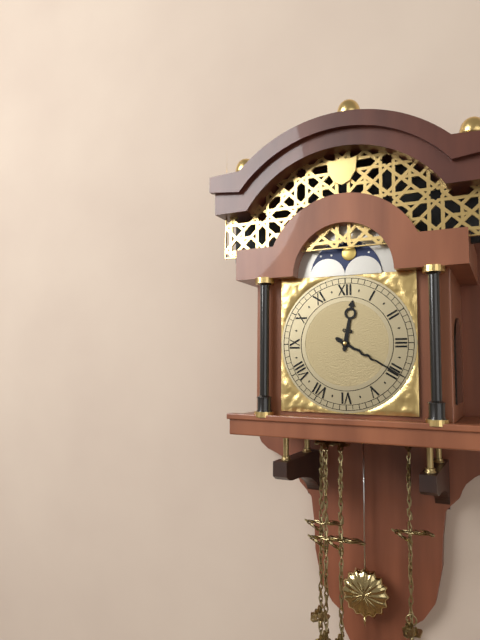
12:20
